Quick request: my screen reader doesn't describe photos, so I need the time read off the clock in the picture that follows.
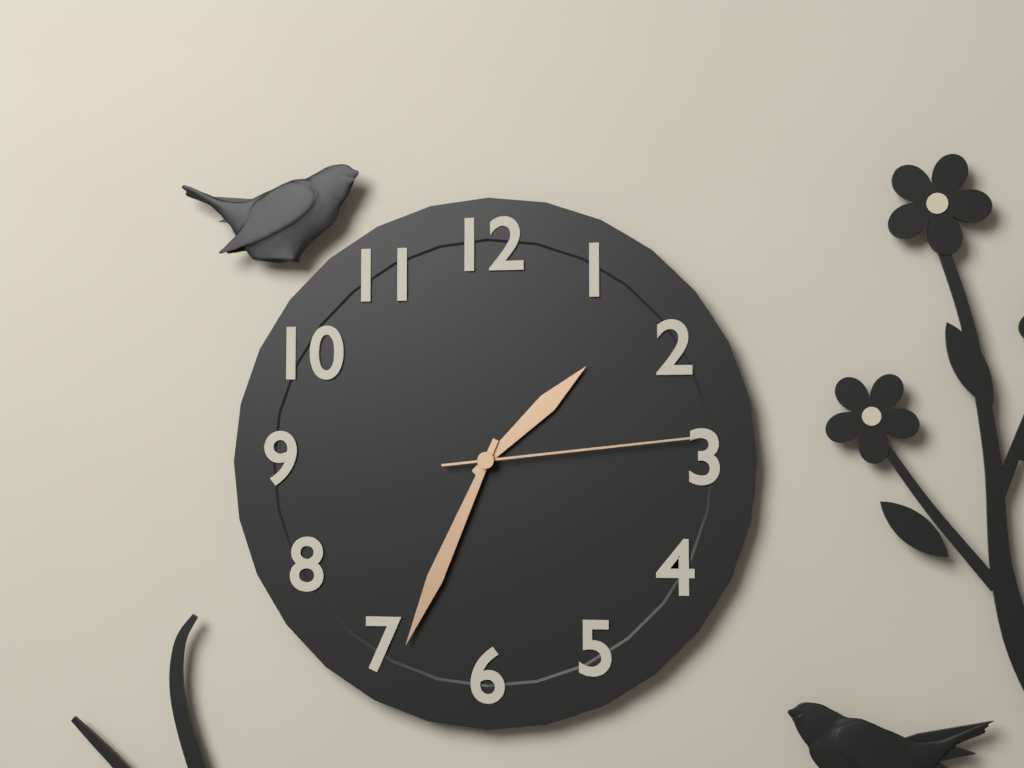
1:34:14
